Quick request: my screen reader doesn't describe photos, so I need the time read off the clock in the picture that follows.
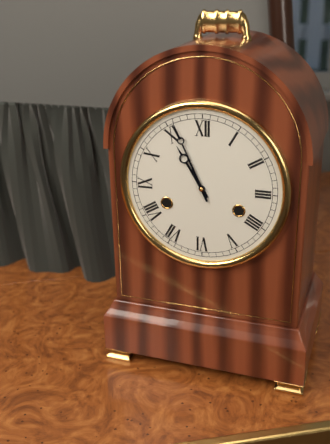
10:56
